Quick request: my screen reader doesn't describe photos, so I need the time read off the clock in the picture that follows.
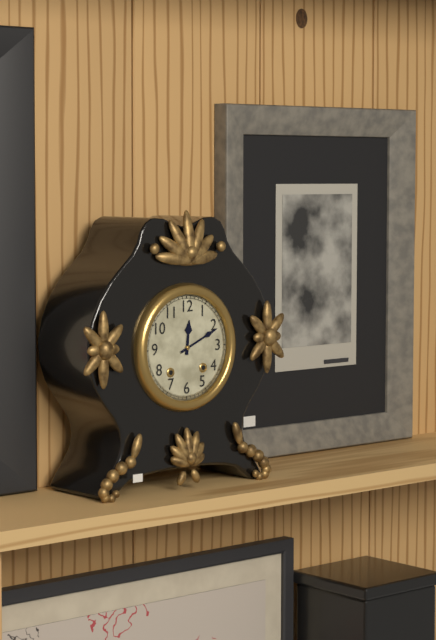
12:11
